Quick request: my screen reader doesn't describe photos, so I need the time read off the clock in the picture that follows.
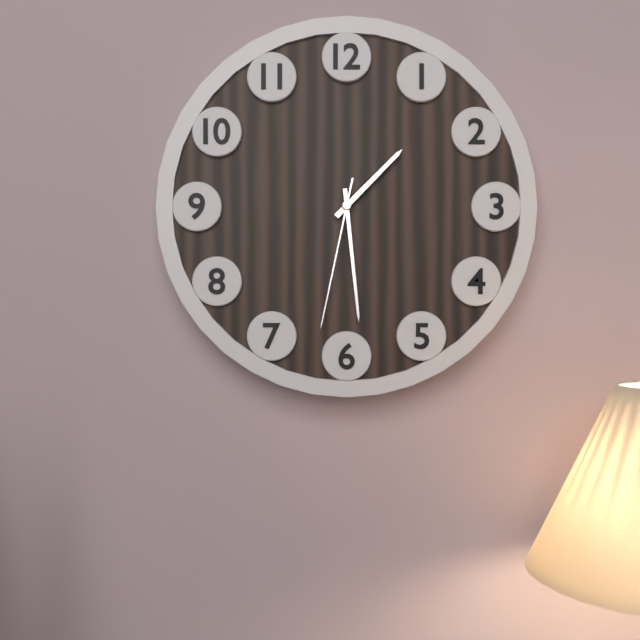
1:29:32
